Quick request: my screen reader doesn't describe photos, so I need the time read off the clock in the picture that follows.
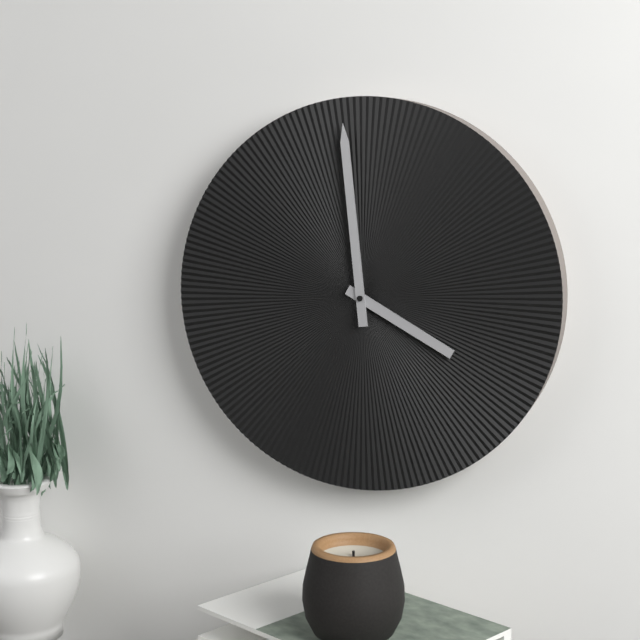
3:59
